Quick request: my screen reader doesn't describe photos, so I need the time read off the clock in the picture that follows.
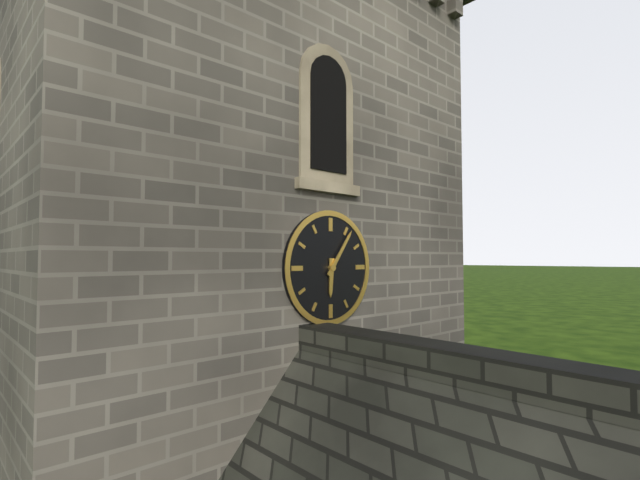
6:06
